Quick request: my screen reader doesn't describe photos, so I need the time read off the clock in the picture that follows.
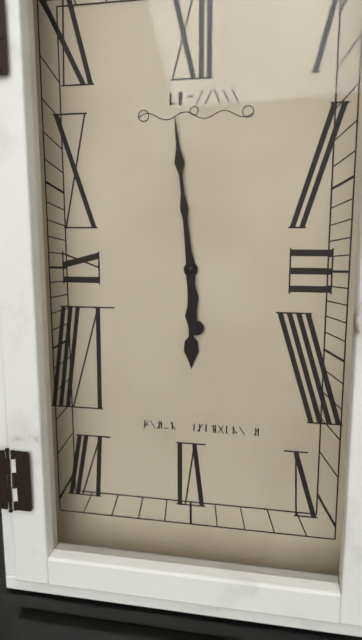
5:59
